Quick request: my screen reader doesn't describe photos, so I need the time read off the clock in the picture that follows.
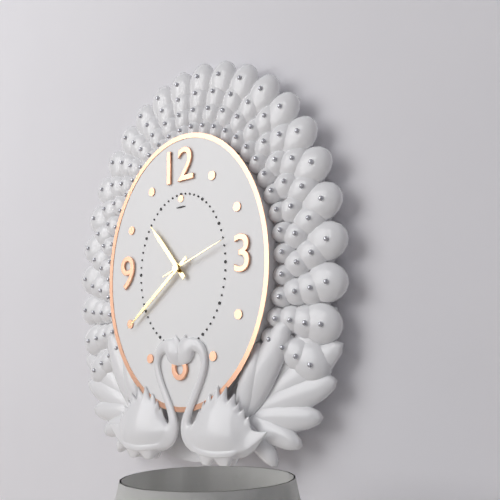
10:39:12
